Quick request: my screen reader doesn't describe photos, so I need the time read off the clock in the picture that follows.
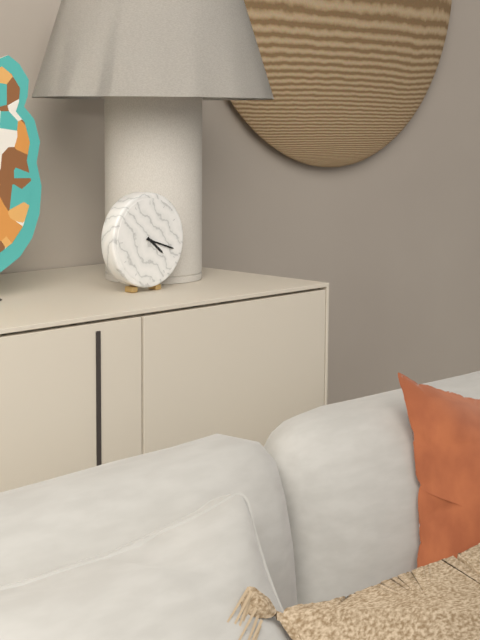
4:18
